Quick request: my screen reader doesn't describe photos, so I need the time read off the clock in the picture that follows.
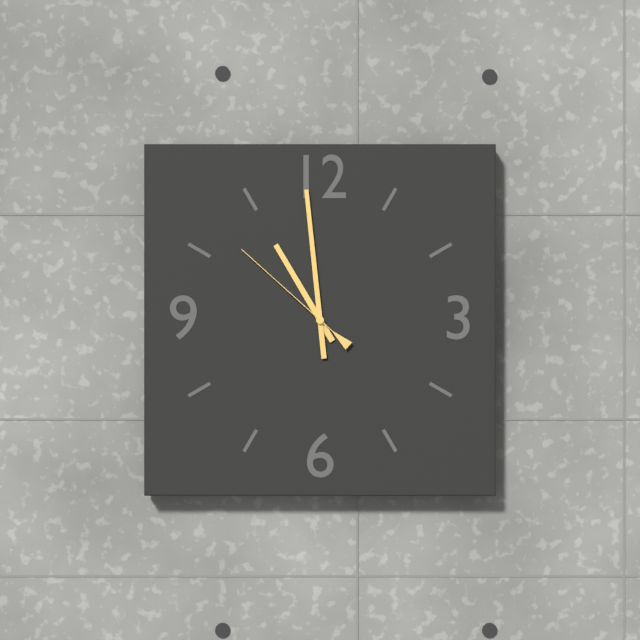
10:59:52
